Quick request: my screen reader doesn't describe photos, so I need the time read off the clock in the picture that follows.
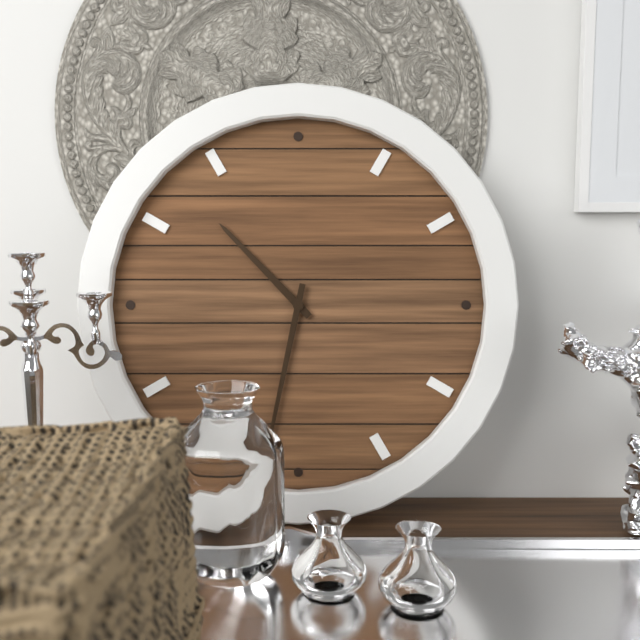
10:32
